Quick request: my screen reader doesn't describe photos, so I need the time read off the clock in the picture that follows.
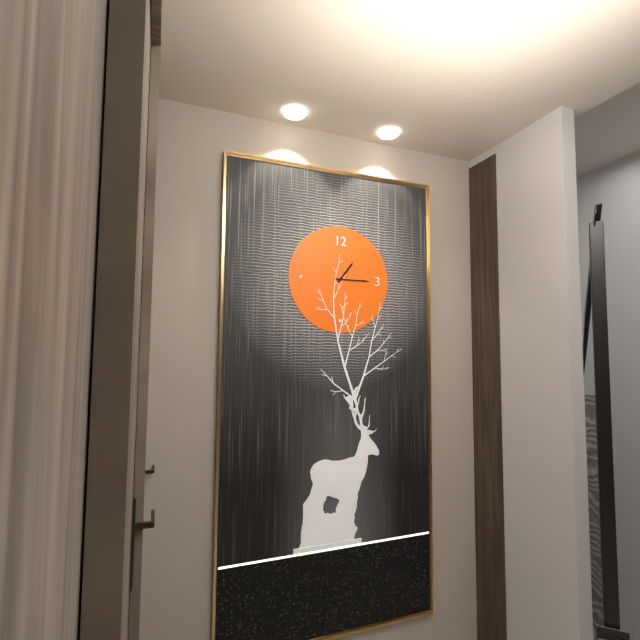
1:15
